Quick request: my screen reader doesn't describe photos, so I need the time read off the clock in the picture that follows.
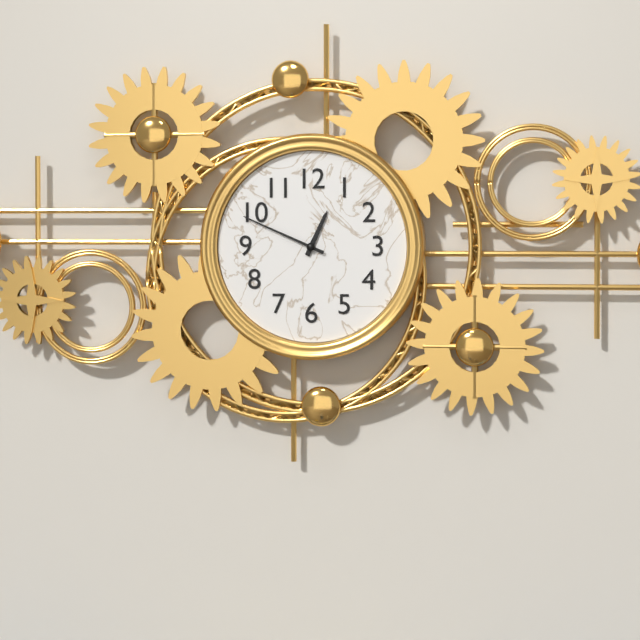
12:49
